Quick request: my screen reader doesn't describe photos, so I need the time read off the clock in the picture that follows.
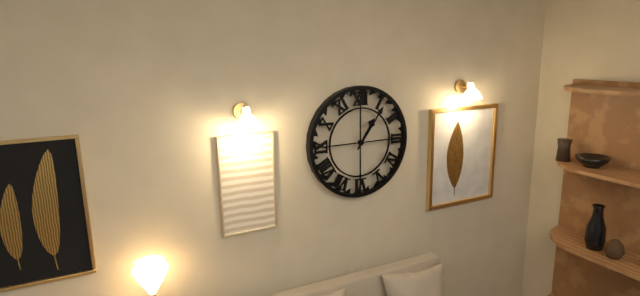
1:06
